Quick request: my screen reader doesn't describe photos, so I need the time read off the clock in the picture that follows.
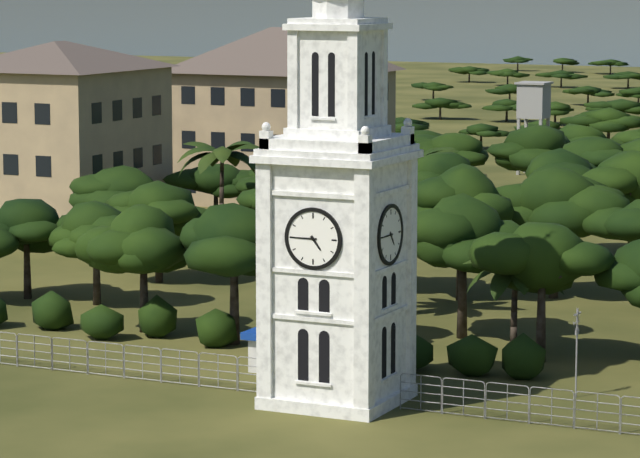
4:45
